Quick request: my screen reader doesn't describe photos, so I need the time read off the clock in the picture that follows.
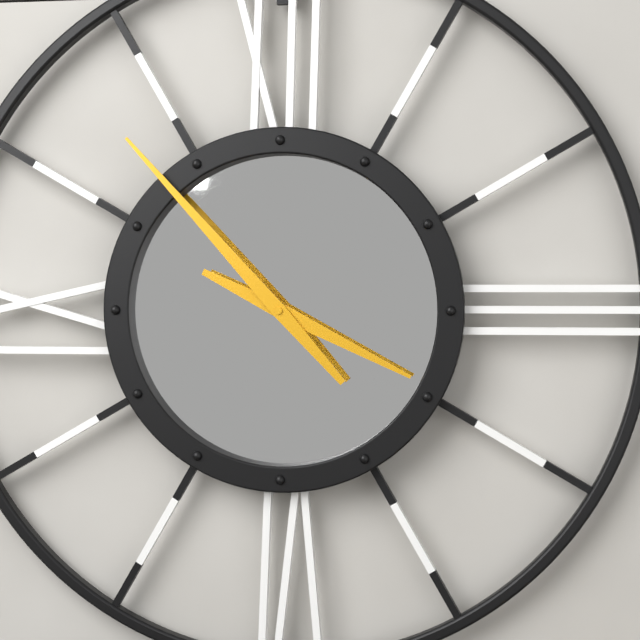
3:53
